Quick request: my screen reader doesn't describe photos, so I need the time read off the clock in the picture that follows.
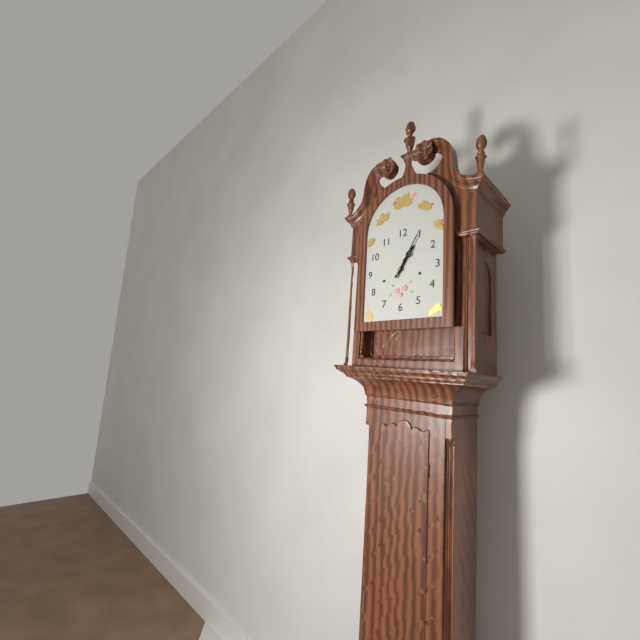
1:05
